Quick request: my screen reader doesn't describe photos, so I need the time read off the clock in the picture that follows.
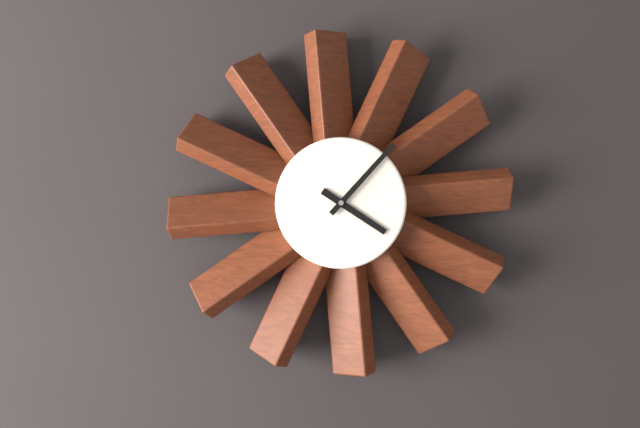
4:07
